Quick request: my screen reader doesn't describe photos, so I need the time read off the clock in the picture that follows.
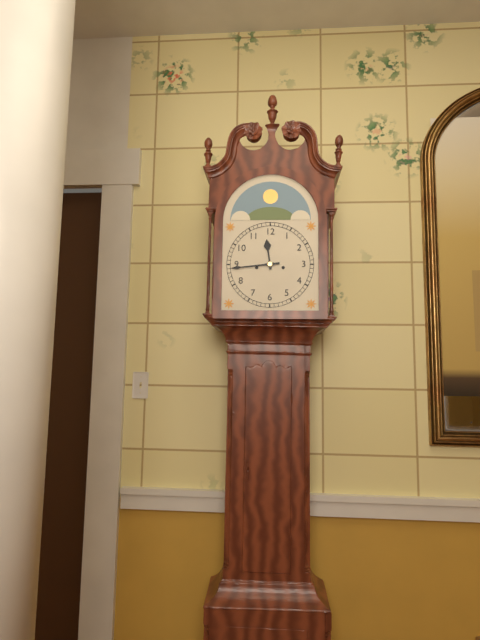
11:44
